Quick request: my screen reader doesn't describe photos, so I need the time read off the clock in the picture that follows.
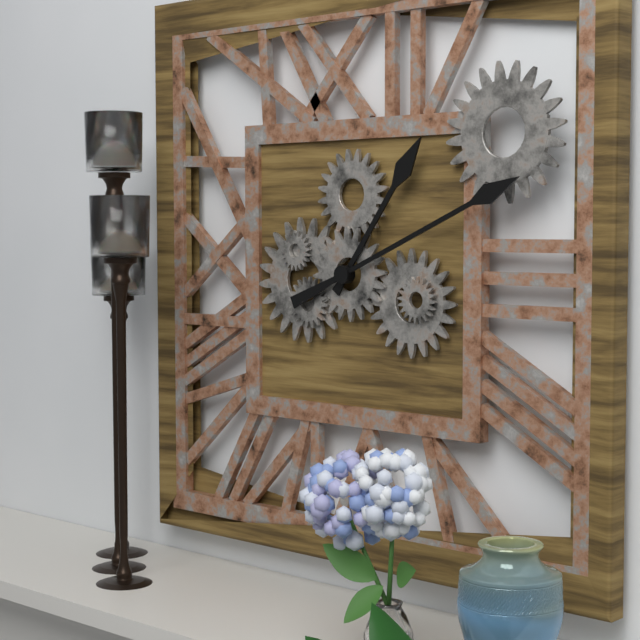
1:11
